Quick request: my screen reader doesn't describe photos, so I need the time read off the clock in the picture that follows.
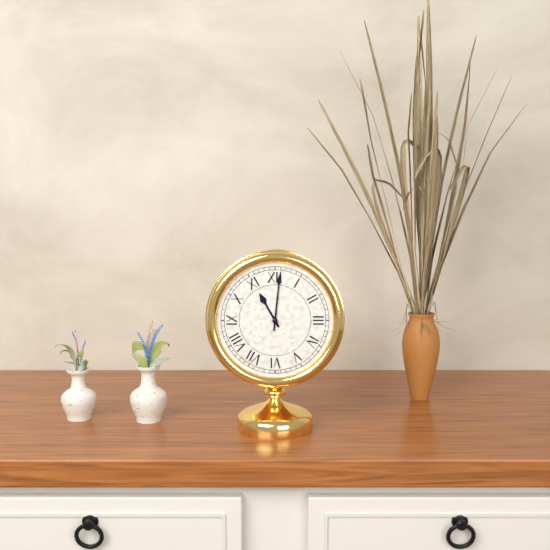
11:01
